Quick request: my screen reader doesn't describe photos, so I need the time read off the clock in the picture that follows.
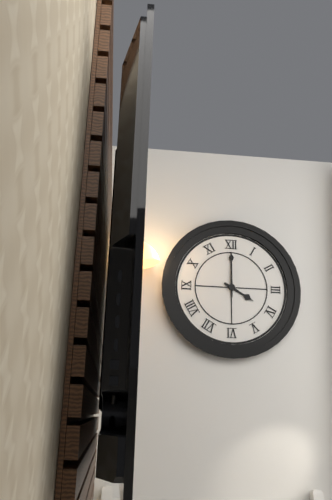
4:00
